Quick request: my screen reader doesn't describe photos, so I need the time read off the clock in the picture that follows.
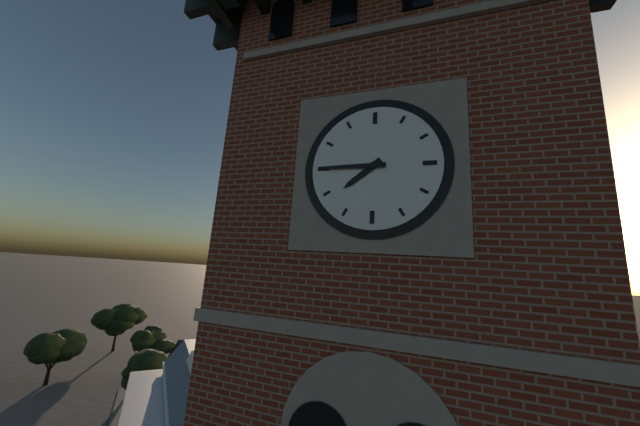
7:45
